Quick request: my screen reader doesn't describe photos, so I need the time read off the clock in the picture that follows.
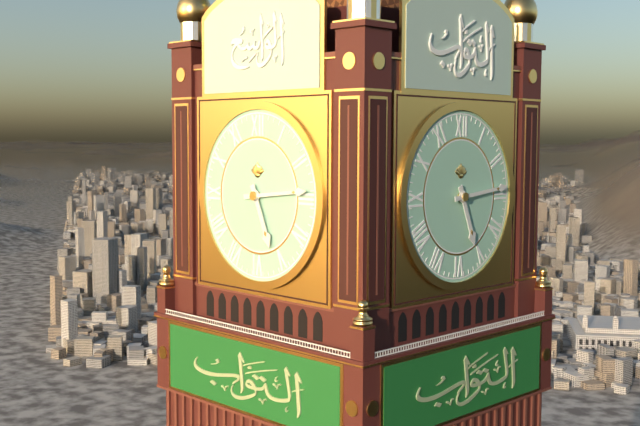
5:14
